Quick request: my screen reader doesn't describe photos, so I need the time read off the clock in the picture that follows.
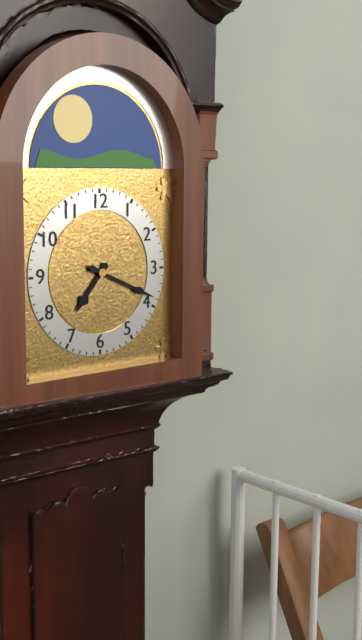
7:19
